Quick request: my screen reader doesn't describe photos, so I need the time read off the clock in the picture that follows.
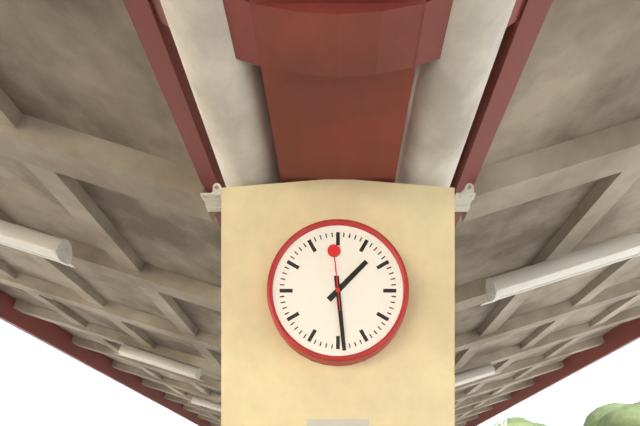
1:29:59
